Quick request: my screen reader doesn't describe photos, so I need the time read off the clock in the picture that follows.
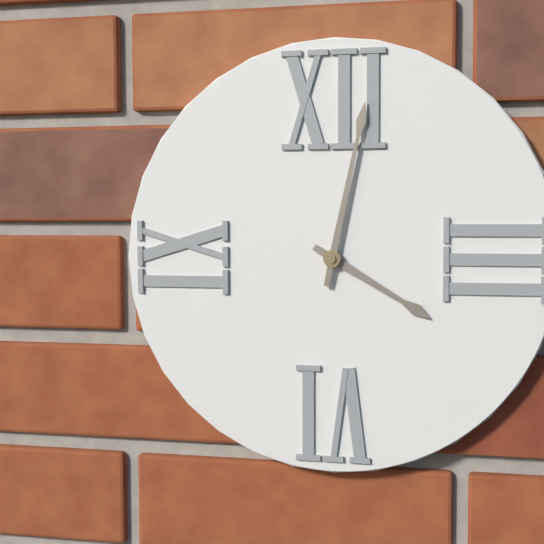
4:02
